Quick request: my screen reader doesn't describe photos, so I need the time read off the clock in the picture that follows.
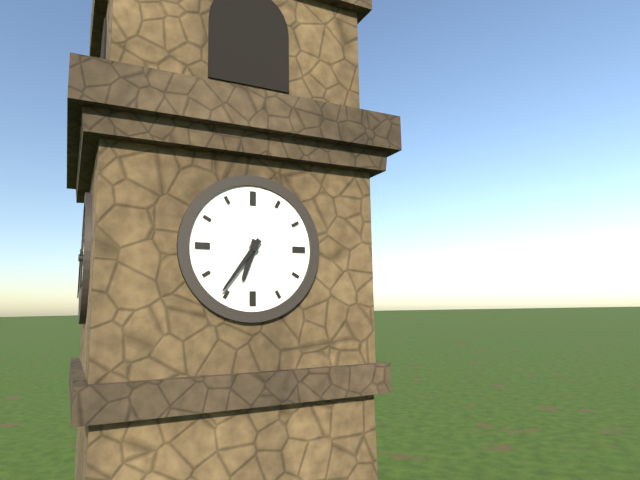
6:36
